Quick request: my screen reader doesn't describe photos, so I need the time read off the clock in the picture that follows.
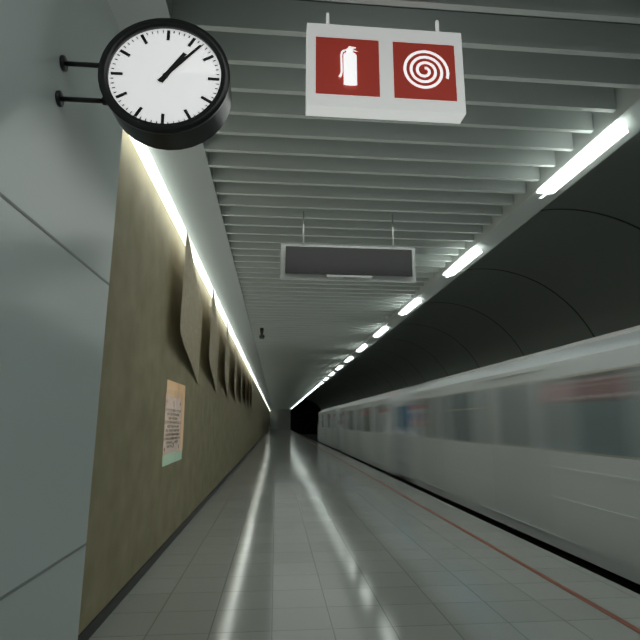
1:07
